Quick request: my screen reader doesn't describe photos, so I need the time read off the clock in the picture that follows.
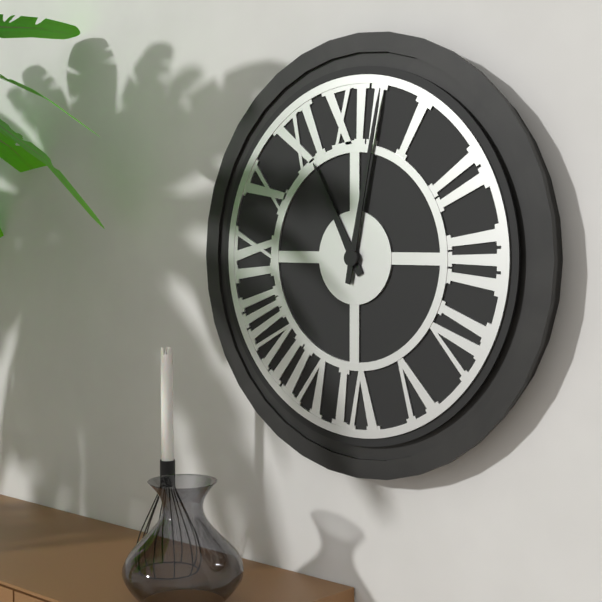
11:02
